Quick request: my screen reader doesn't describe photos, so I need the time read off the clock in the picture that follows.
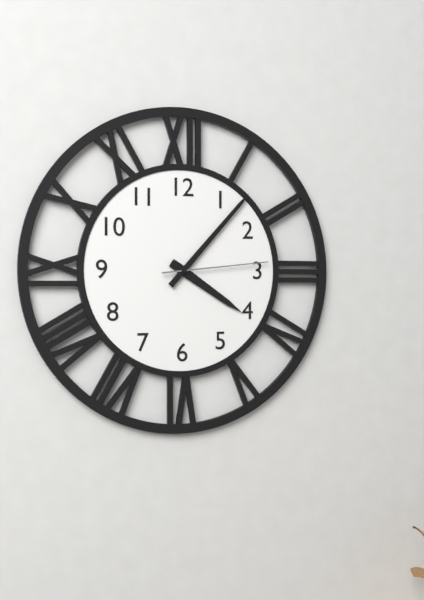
4:07:14
